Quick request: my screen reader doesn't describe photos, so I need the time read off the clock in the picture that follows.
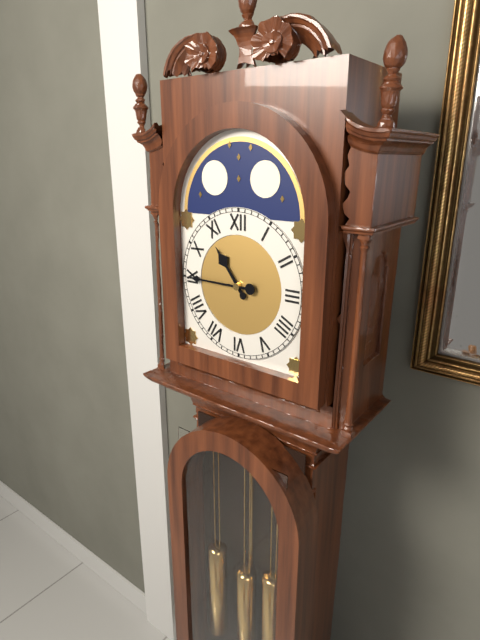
10:45
